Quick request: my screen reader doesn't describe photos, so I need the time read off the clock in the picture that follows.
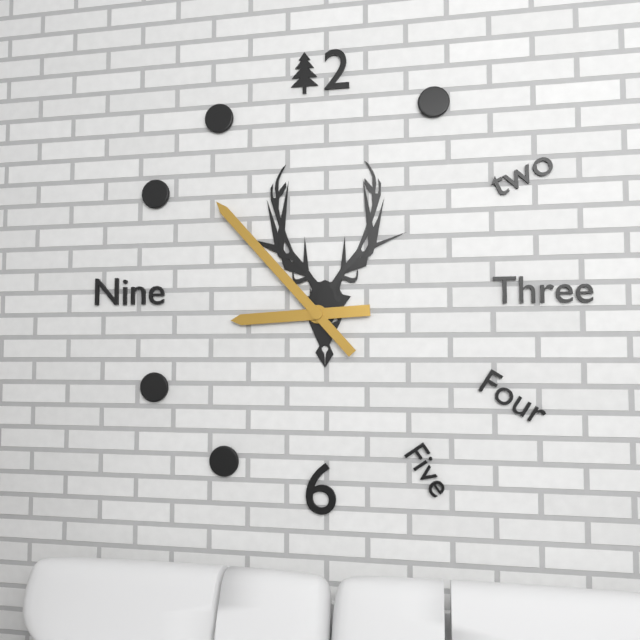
8:53
